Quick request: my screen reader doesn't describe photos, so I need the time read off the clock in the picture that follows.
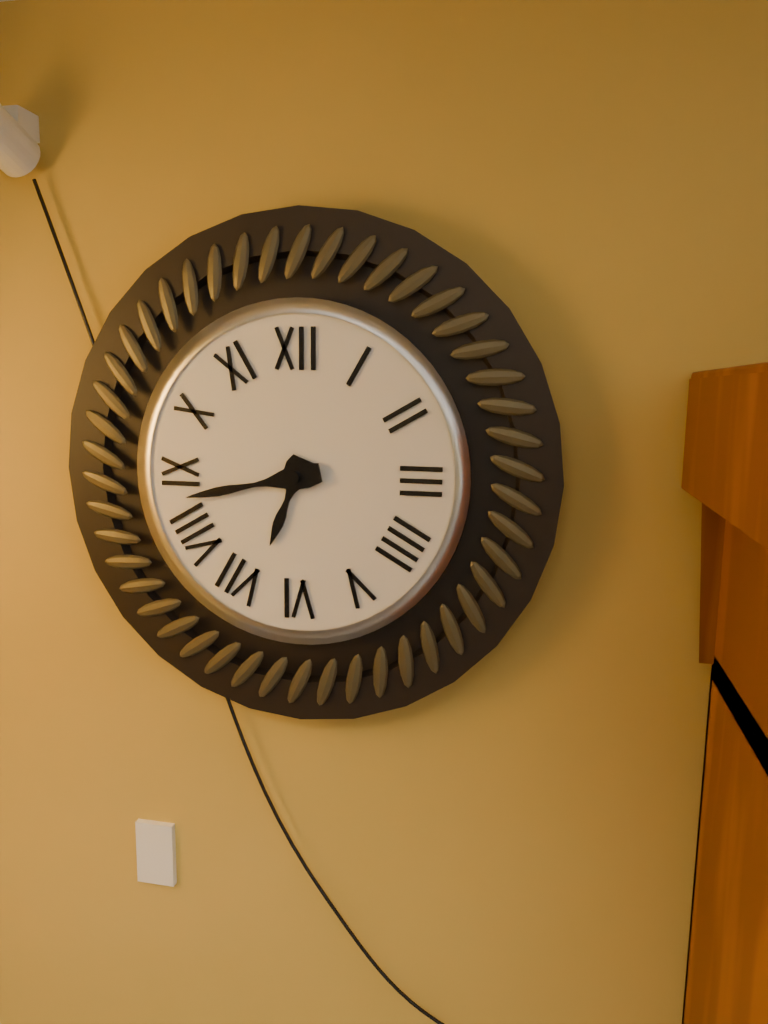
6:43
